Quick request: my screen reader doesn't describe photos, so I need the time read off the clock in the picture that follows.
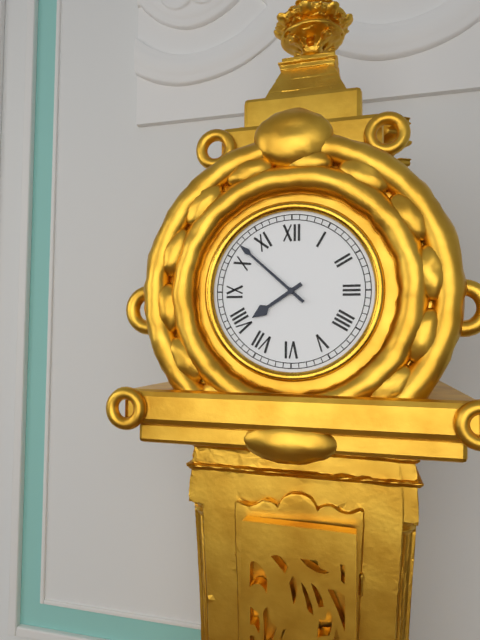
7:52
